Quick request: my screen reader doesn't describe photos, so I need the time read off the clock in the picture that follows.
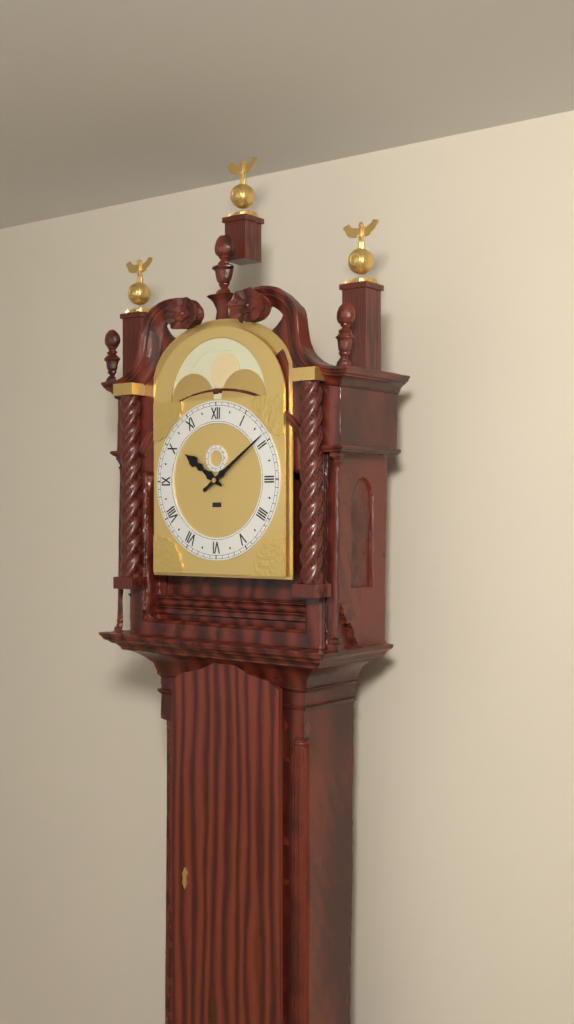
10:09
